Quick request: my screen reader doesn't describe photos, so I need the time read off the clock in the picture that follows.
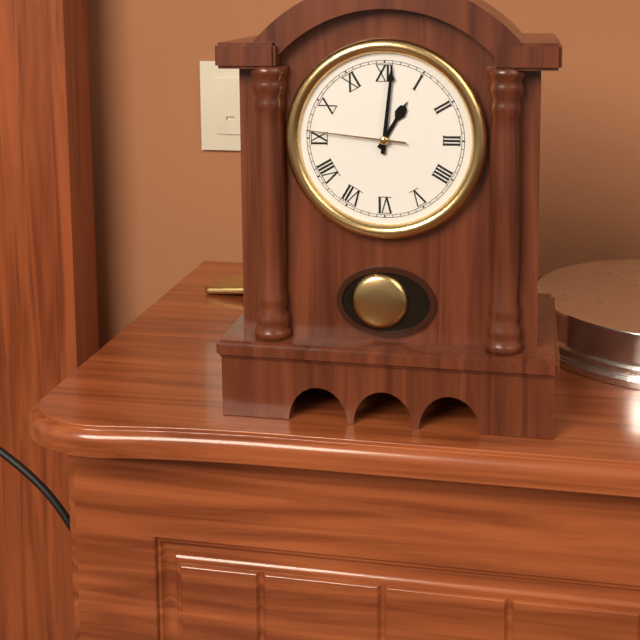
1:01:46
